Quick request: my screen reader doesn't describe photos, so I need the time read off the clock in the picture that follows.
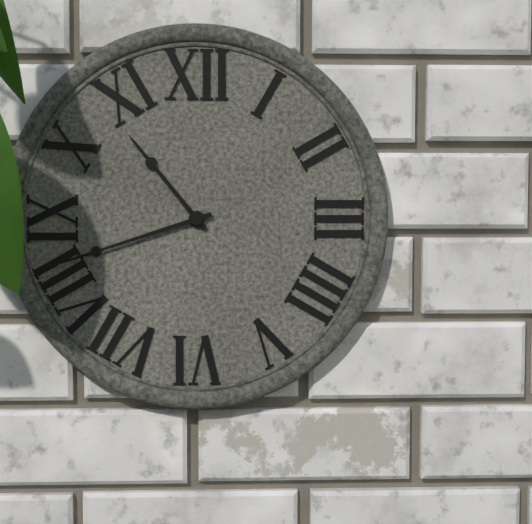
10:42
